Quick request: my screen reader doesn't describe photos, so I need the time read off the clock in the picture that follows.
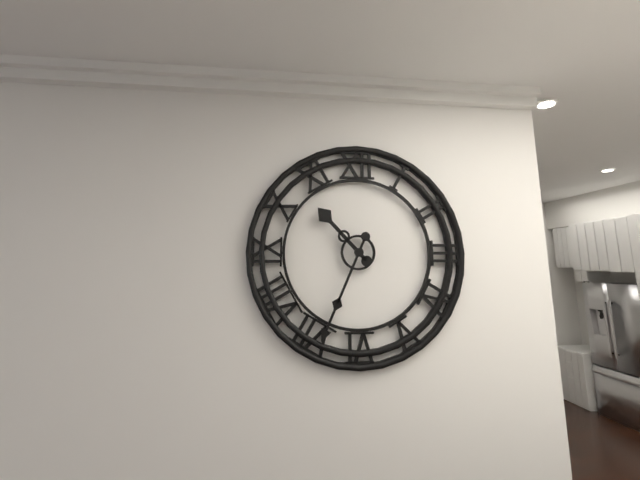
10:34
